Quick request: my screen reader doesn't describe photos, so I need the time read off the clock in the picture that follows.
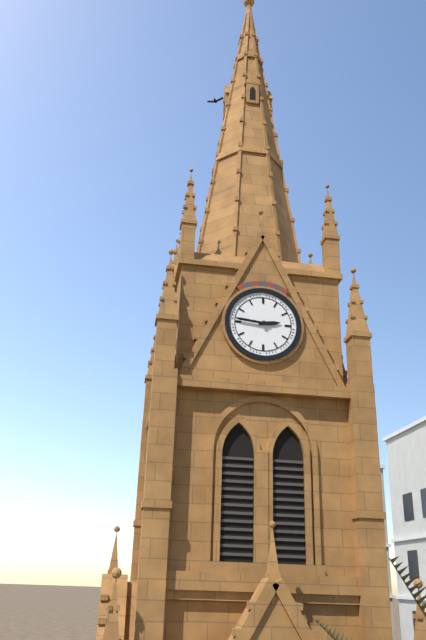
2:46
